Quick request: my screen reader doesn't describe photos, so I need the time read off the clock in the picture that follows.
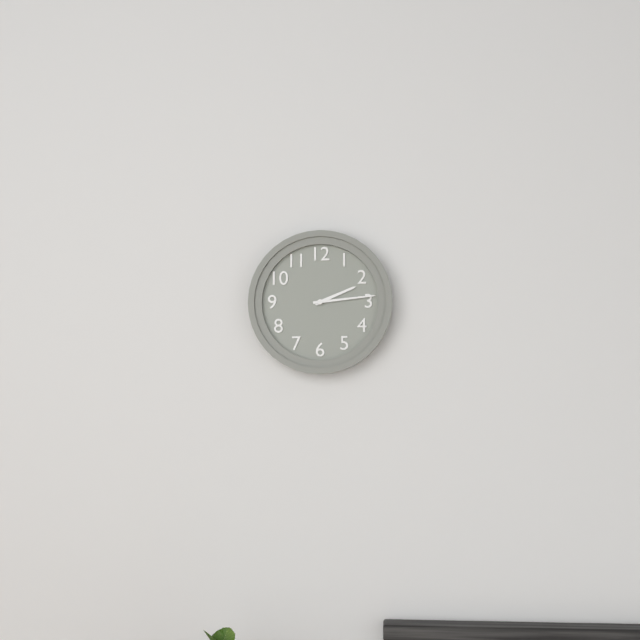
2:14
